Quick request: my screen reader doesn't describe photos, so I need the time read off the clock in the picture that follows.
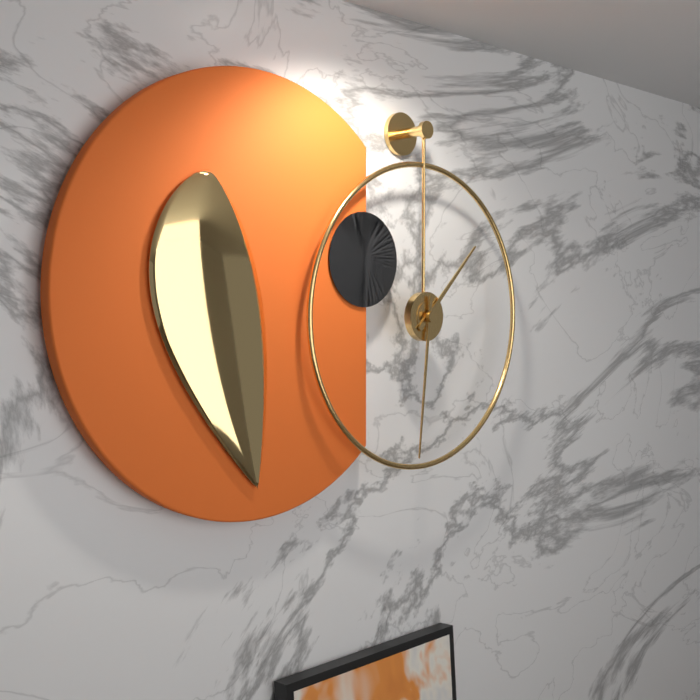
1:31
